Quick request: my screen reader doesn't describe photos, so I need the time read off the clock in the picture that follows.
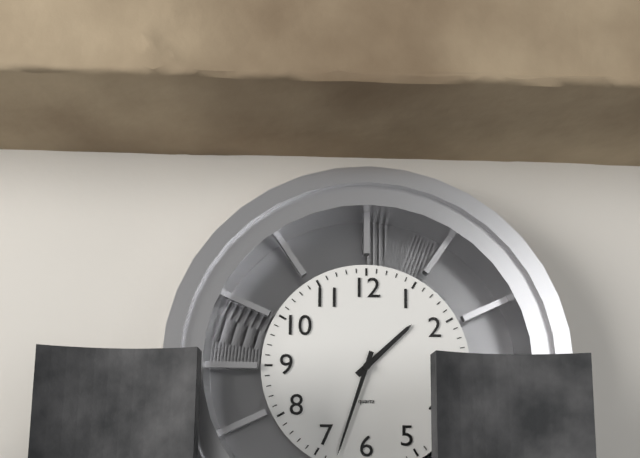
1:33
